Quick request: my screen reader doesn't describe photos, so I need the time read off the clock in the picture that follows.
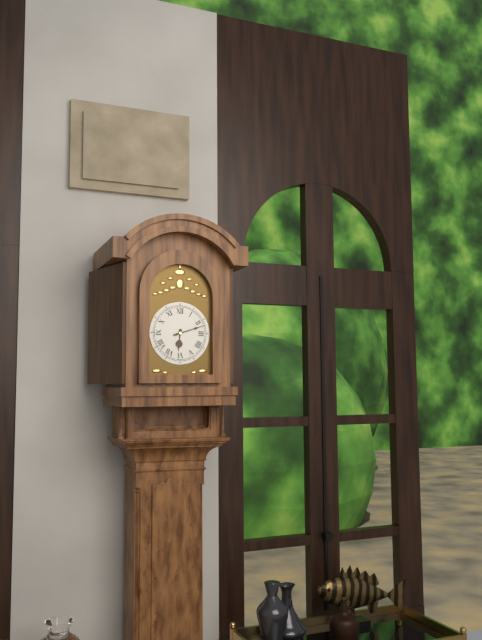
6:12
